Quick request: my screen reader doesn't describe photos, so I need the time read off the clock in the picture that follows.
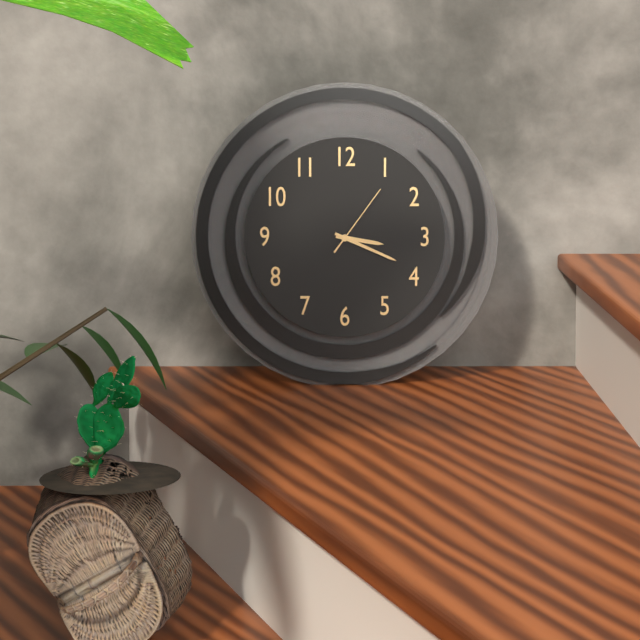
3:19:06
